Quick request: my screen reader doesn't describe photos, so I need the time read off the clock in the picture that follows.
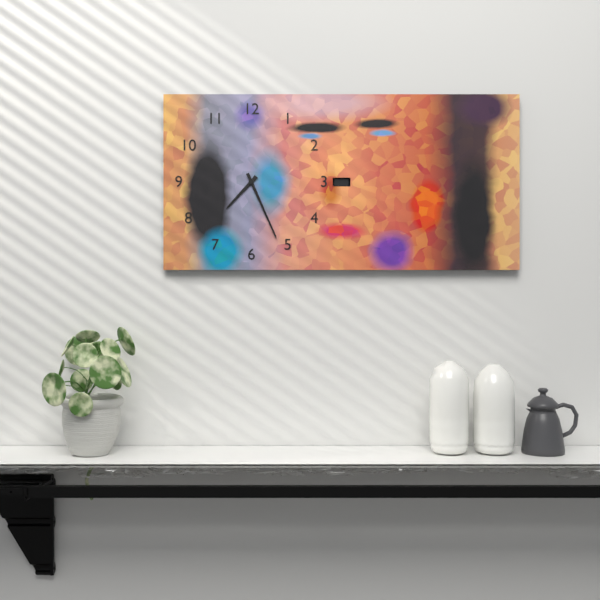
7:26
